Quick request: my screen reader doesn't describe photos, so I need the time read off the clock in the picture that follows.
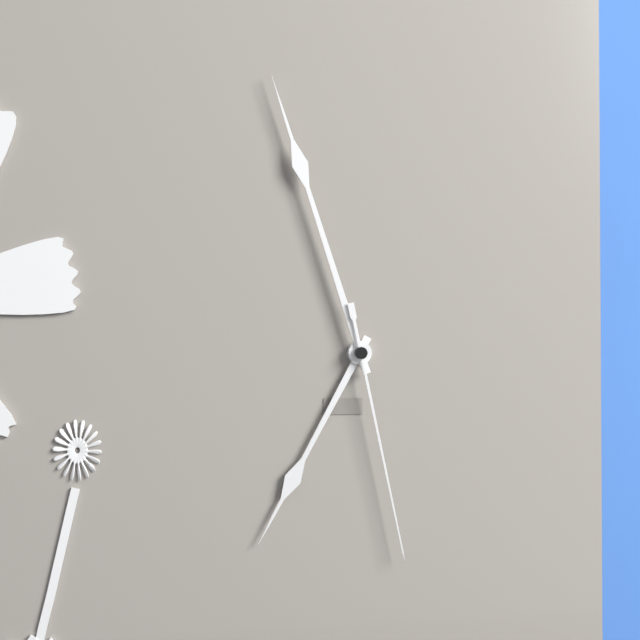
6:57:28
